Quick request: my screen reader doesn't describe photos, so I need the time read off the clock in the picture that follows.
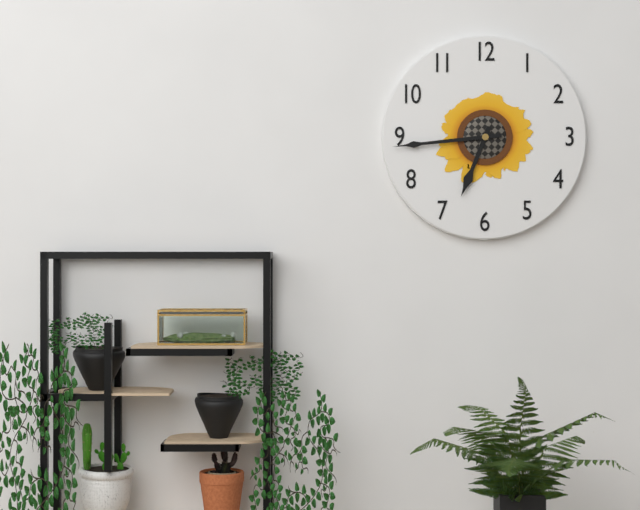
6:44
